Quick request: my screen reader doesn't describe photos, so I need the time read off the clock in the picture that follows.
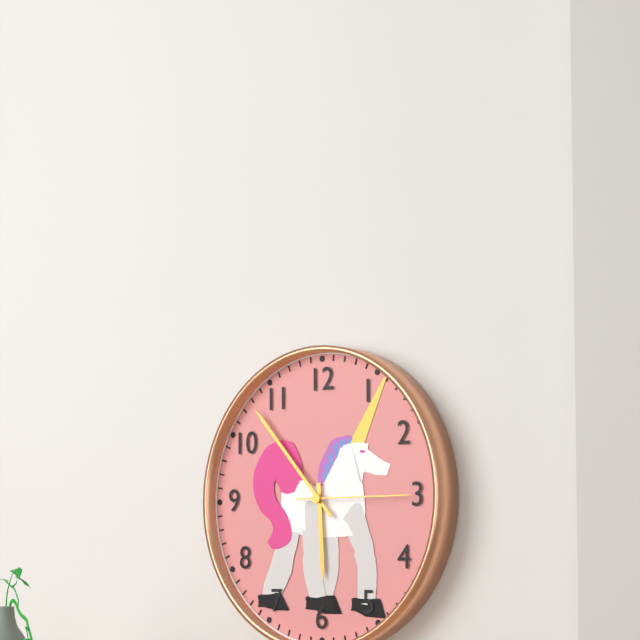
5:53:15
